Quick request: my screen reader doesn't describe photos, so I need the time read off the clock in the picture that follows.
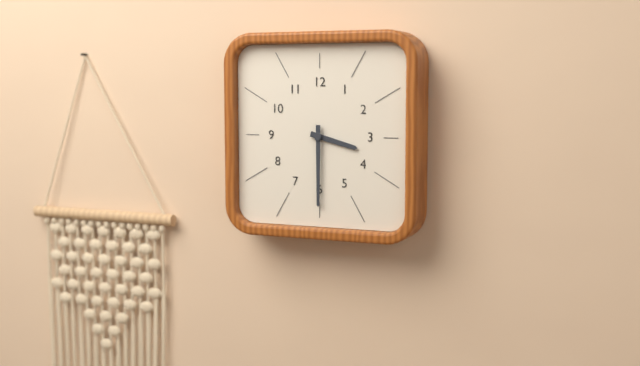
3:30
